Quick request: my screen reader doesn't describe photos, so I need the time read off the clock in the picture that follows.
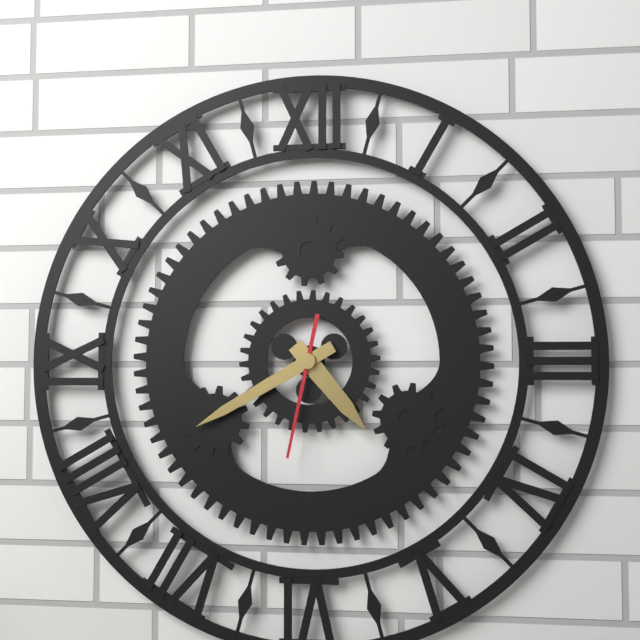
4:40:32
